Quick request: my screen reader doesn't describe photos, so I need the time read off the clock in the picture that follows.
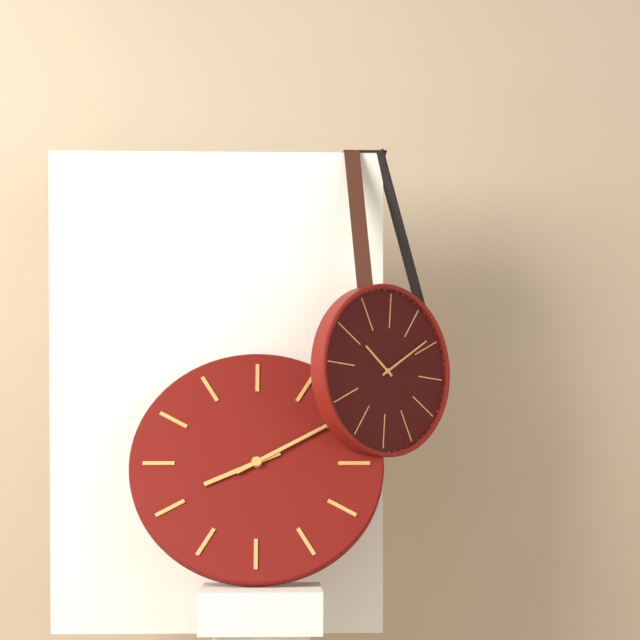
8:10
